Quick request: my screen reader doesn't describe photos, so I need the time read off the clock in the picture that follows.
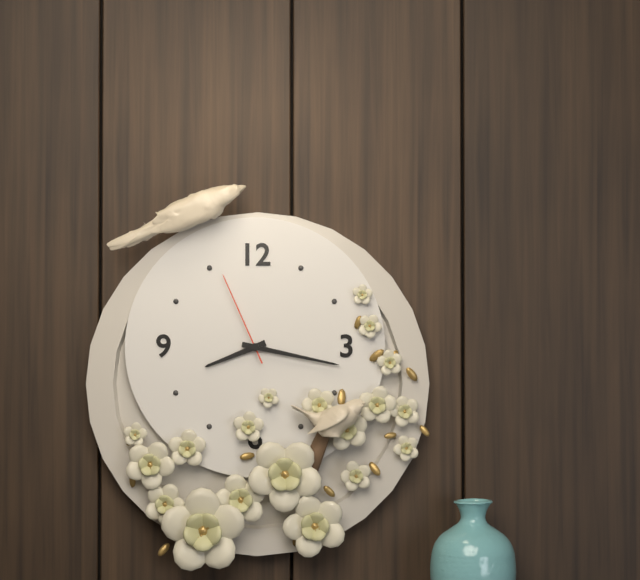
8:17:56
